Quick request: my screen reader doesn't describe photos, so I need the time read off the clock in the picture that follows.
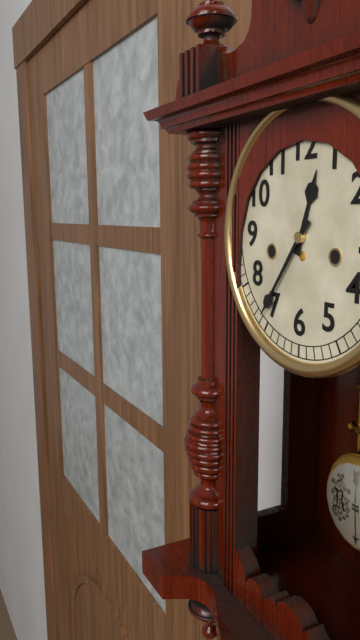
12:36
